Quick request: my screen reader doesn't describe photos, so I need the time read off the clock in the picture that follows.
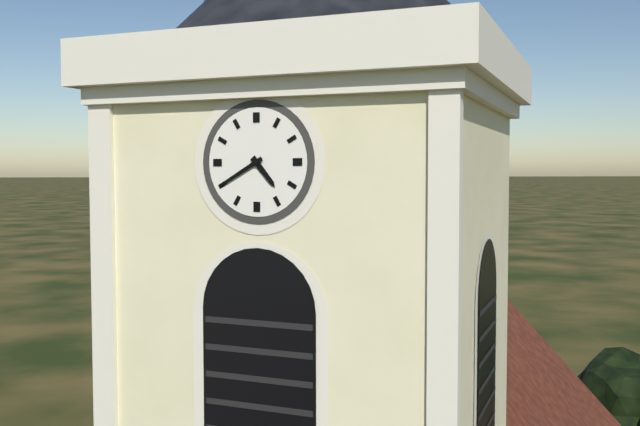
4:40
